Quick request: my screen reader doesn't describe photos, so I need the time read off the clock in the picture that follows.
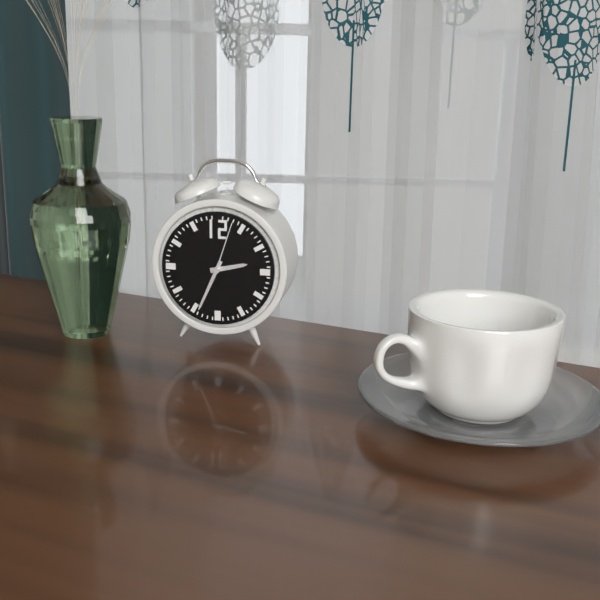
2:34:03
